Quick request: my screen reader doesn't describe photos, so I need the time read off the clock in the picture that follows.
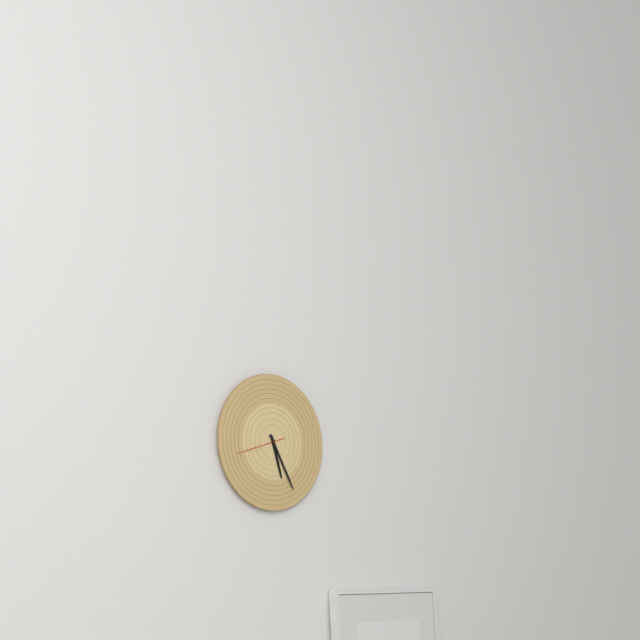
5:25
